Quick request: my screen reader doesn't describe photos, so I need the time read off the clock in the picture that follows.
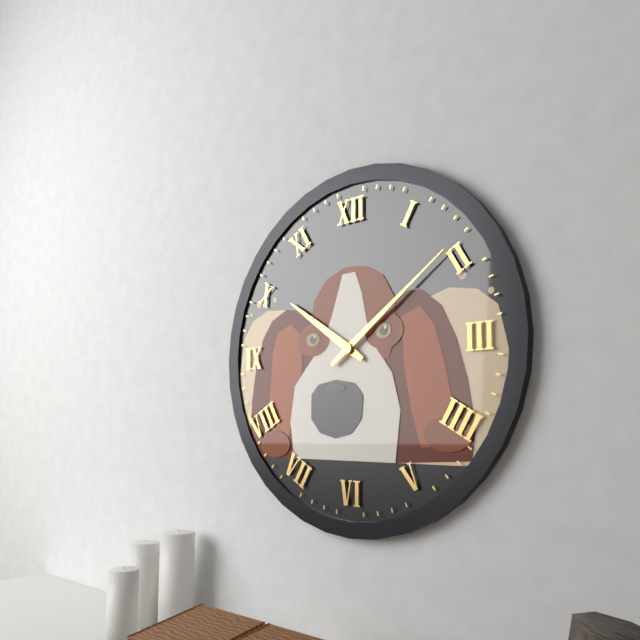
10:09
